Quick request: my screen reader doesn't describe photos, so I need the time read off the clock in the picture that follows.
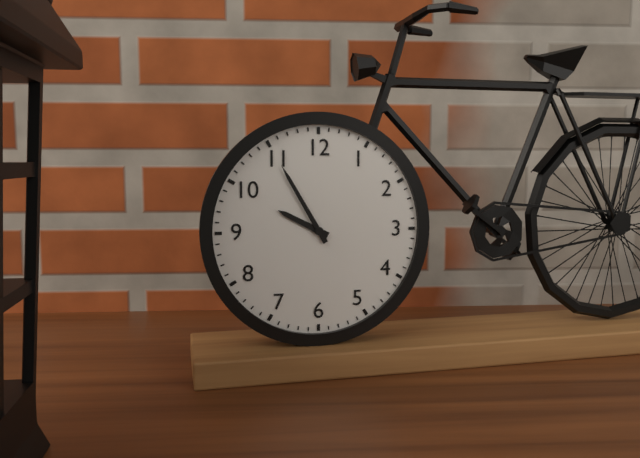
9:55
